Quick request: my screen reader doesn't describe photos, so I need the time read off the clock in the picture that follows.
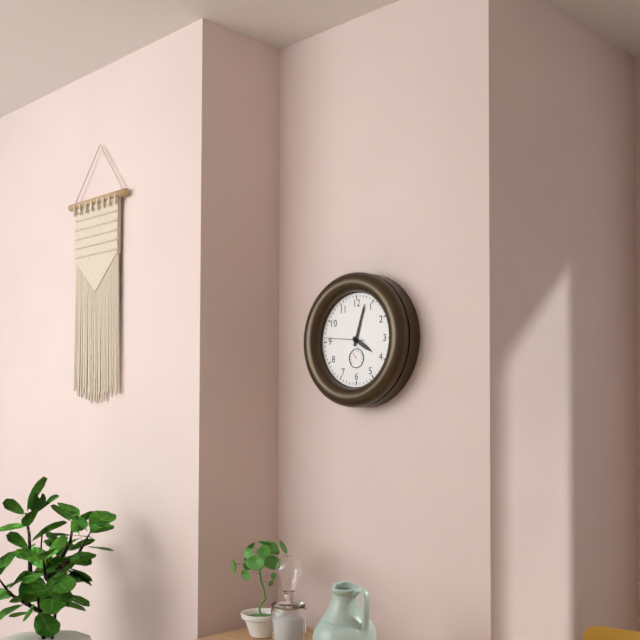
4:03
